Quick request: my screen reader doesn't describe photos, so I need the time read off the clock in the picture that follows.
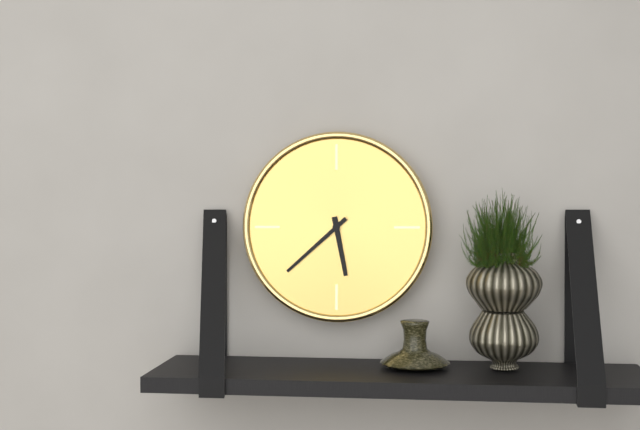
5:38
